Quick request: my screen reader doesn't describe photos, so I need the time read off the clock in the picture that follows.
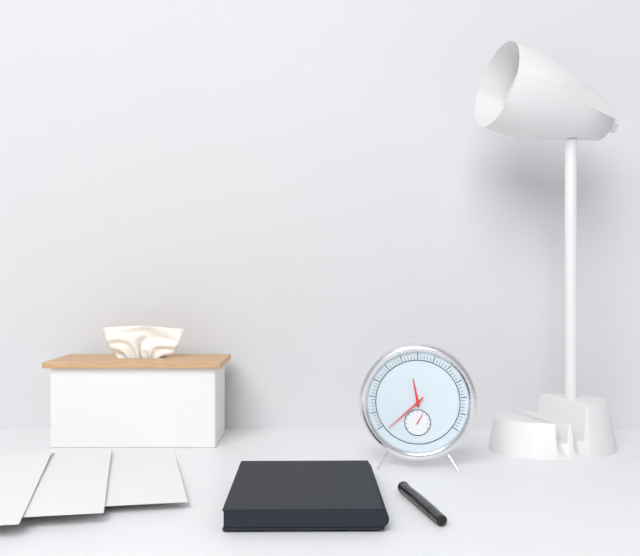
11:38
